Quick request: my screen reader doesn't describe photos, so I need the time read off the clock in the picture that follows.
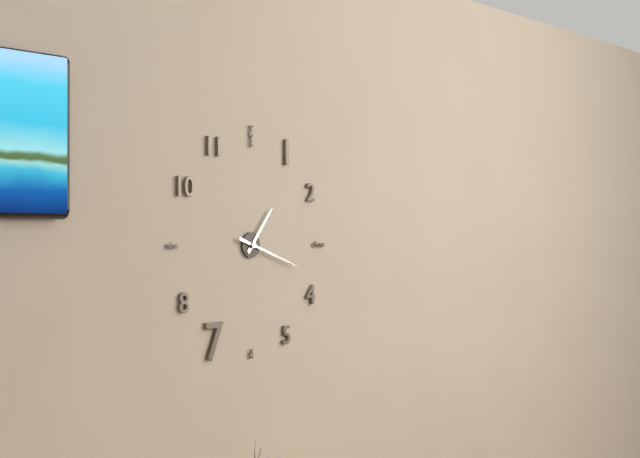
1:18
